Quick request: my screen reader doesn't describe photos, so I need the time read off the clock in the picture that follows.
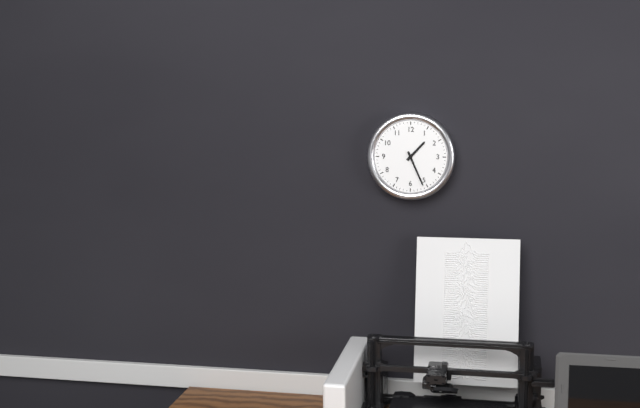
1:26
